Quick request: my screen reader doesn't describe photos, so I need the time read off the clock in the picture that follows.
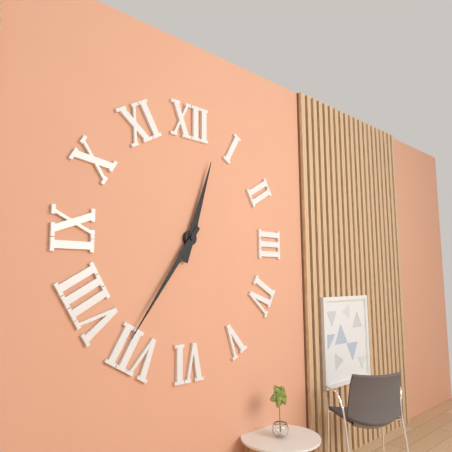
12:36
